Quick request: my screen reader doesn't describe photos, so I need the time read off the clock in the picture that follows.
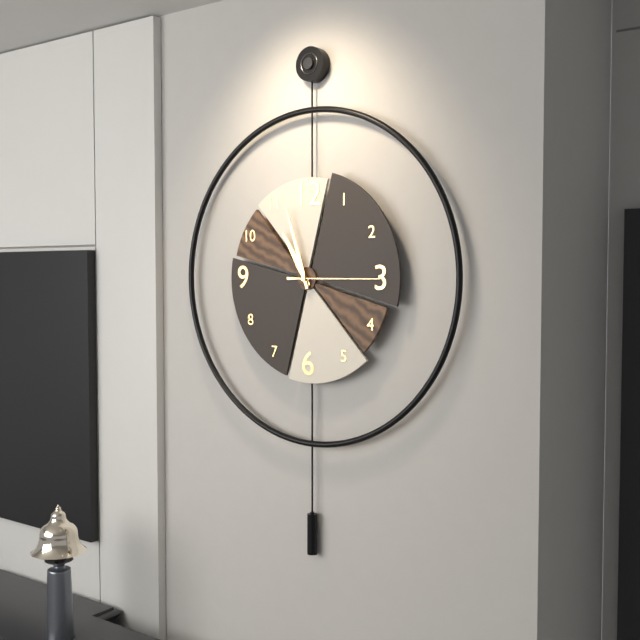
10:57:15
